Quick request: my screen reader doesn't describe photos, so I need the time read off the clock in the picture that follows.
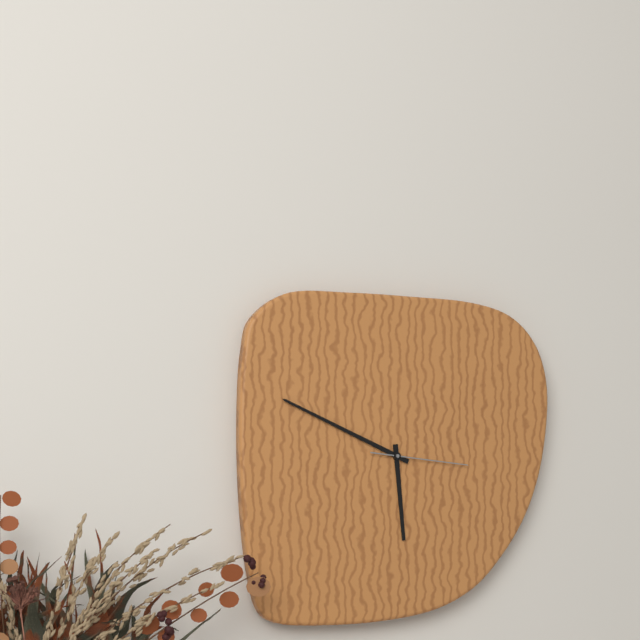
5:49:16
